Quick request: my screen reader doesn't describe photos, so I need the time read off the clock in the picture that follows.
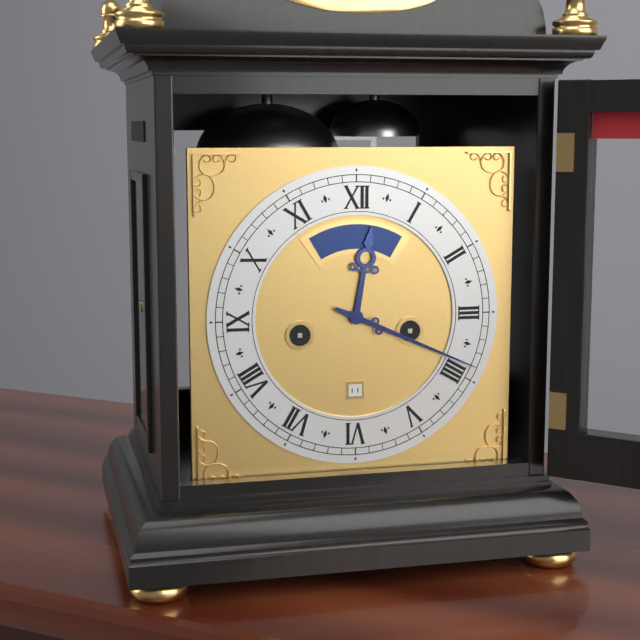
12:19
